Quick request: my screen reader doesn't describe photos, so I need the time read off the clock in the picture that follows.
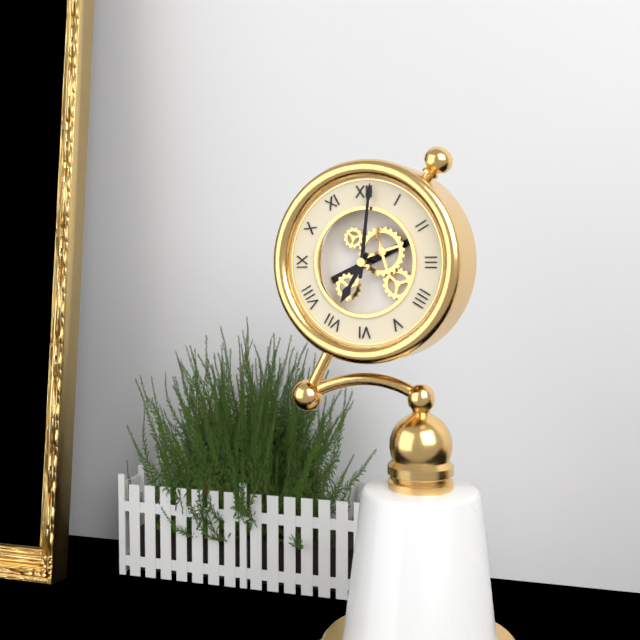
7:01
